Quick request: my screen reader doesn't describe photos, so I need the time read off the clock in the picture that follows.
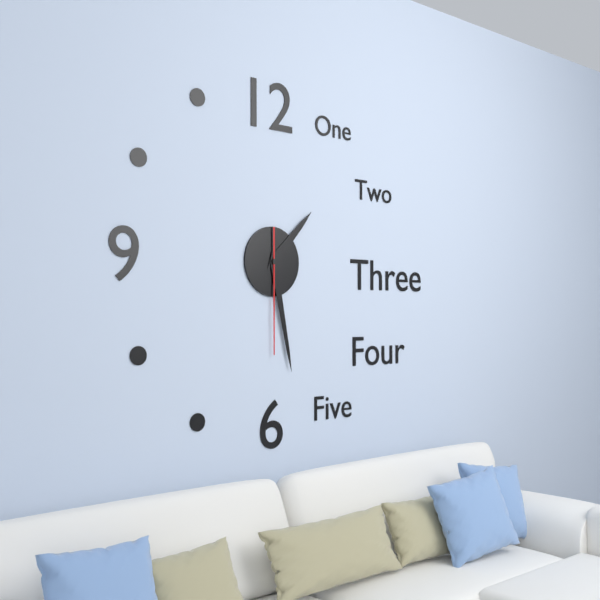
1:28:30
